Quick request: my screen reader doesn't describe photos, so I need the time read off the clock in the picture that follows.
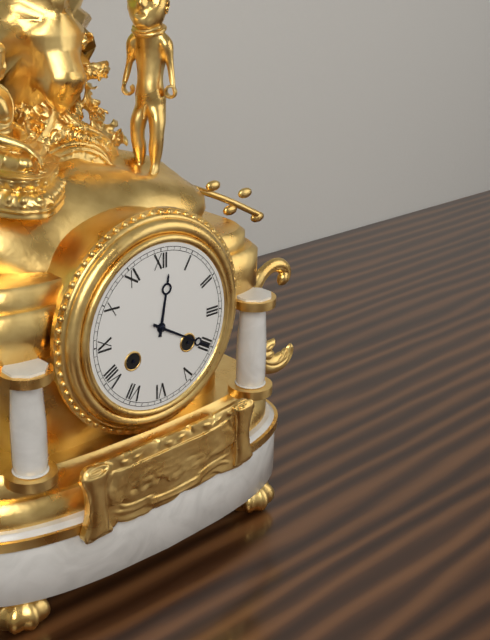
12:20
